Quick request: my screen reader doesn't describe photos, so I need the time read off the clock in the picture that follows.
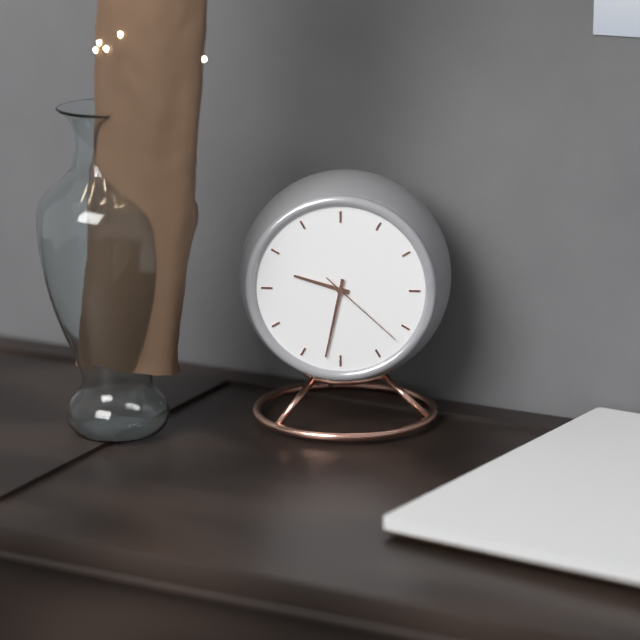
9:32:22
